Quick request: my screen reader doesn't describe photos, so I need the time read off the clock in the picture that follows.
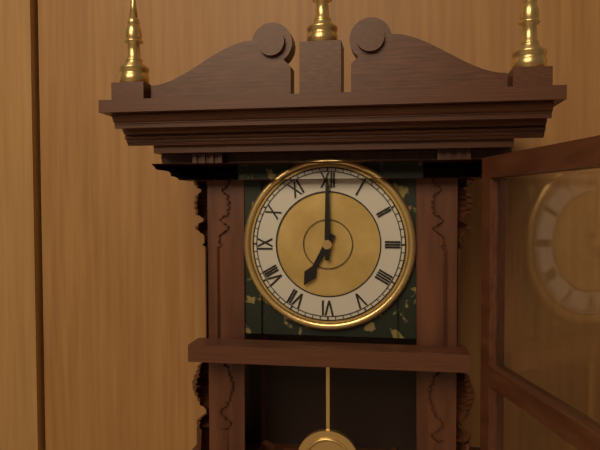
7:00
